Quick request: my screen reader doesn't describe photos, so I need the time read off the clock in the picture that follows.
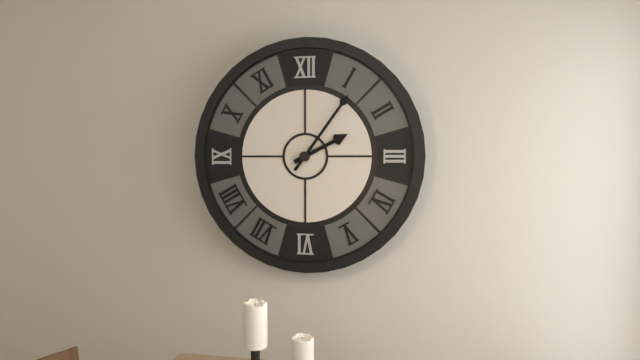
2:06
